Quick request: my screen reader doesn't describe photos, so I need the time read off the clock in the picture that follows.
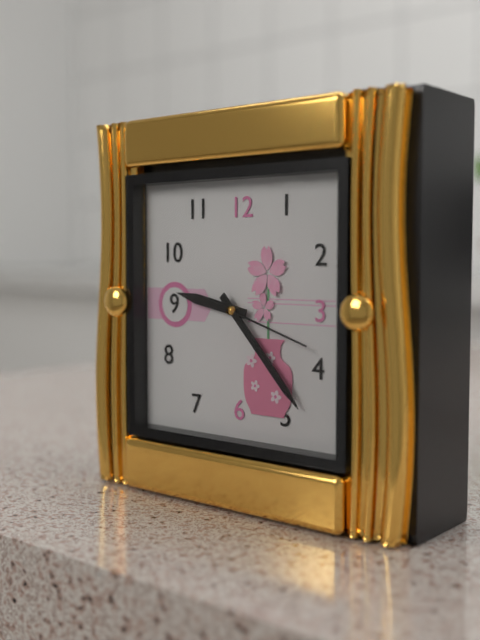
9:23:18
